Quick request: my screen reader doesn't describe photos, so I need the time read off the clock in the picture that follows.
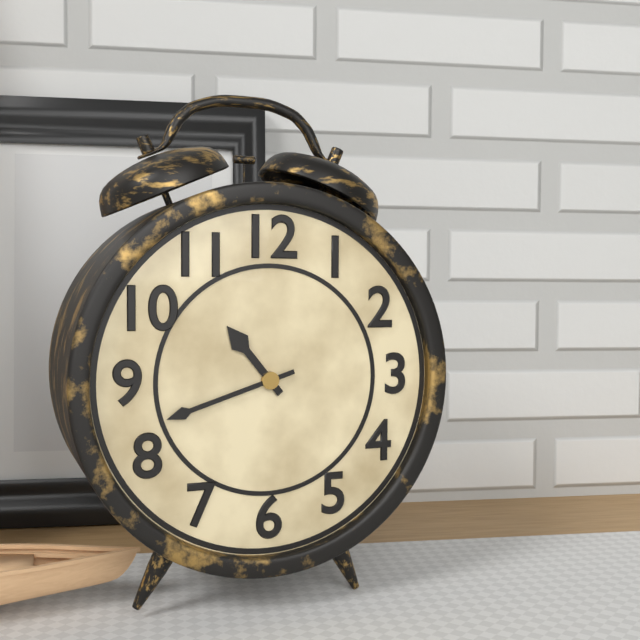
10:42
